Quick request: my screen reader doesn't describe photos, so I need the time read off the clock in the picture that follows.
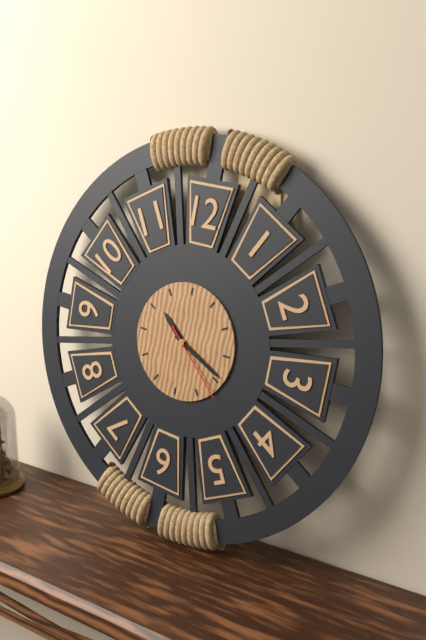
10:19:22
